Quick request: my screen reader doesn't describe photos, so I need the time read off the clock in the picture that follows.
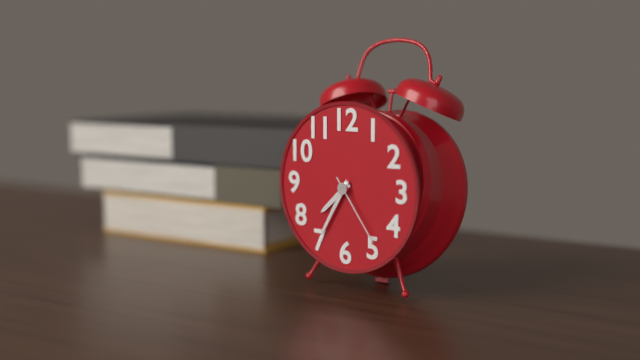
7:35:24
